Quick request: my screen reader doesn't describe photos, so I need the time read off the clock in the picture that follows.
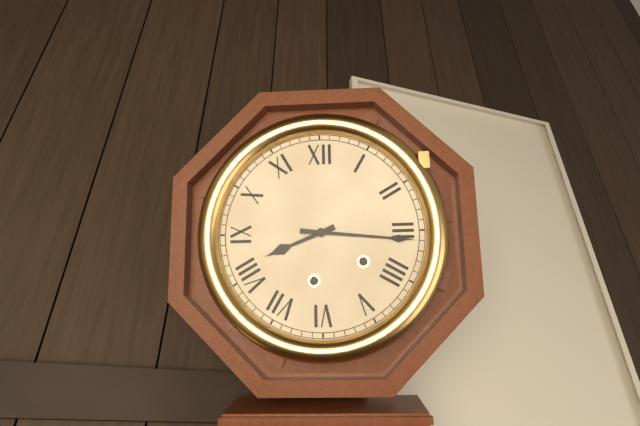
8:16
